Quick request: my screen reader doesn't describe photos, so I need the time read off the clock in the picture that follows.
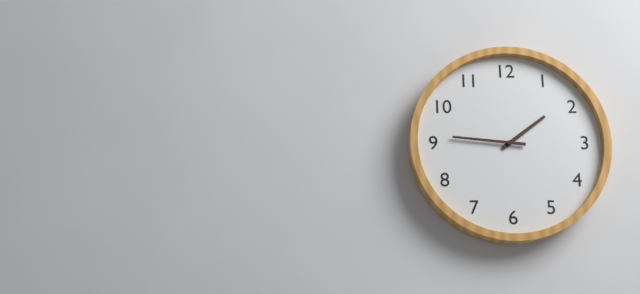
1:46
